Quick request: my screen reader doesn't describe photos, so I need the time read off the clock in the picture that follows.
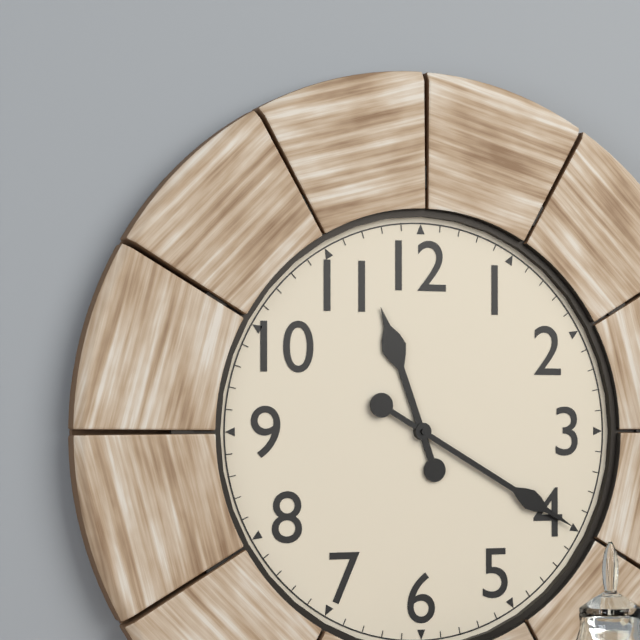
11:20
